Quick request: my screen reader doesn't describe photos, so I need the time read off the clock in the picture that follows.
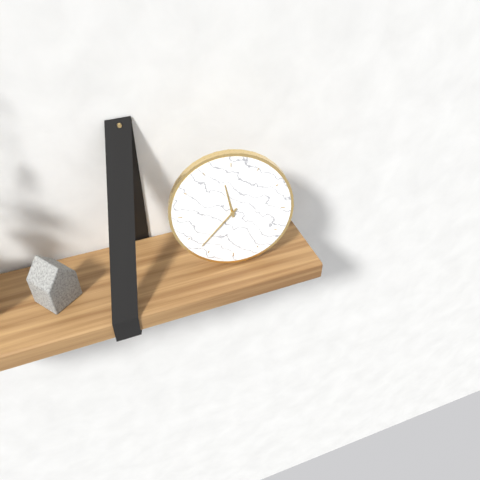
11:37
